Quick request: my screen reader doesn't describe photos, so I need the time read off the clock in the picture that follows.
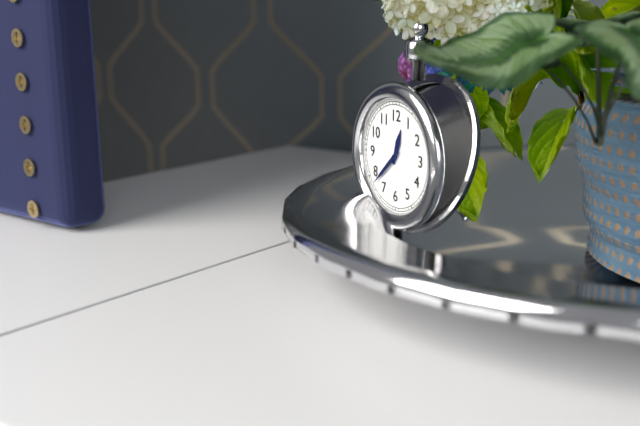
12:38
